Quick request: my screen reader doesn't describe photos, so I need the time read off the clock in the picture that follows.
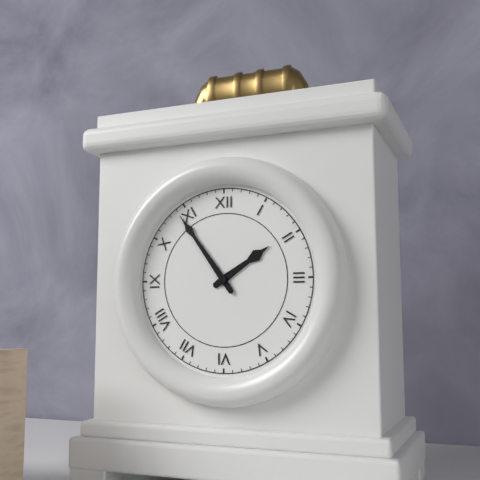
1:54
